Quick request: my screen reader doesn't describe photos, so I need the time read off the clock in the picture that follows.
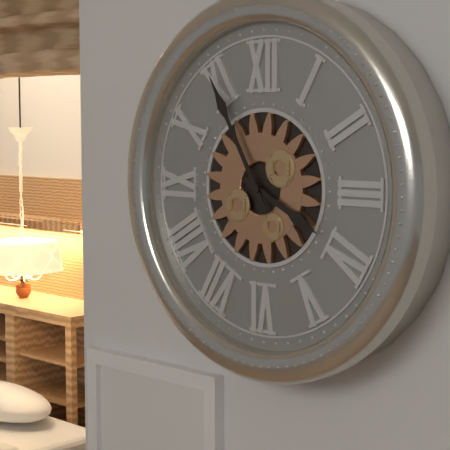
3:55
